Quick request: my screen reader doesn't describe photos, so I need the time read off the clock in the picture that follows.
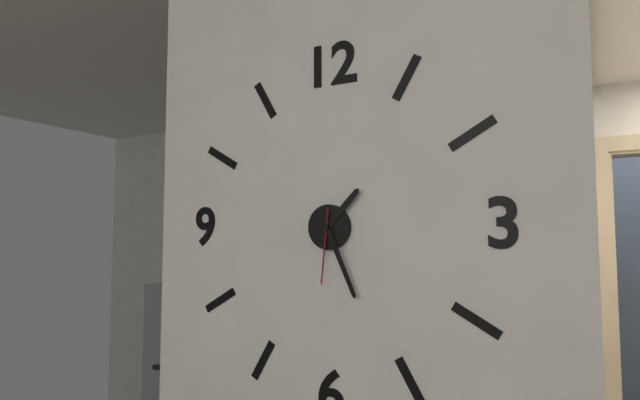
1:26:31
